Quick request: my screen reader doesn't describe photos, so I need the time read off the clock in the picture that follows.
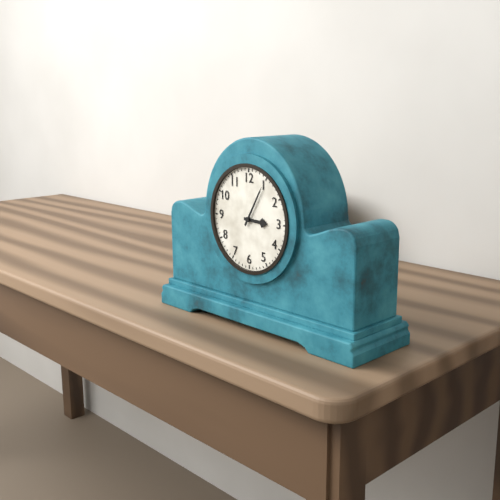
3:05
